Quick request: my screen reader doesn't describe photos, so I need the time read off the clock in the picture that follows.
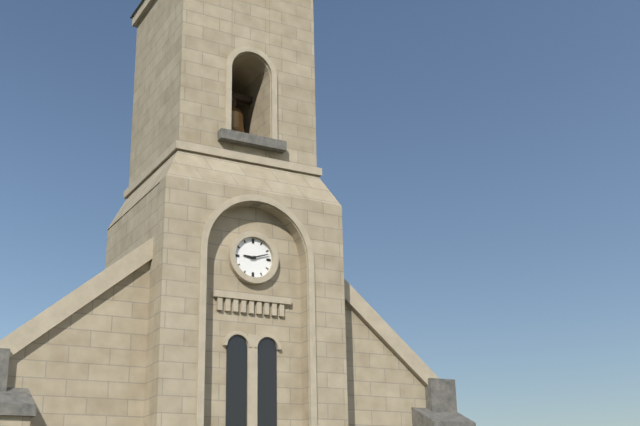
9:12
